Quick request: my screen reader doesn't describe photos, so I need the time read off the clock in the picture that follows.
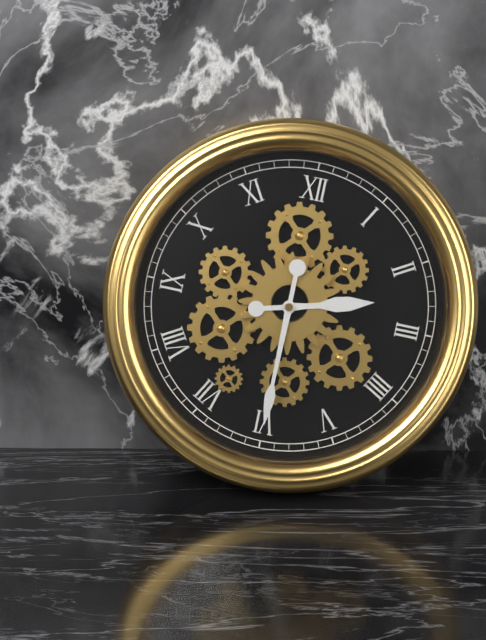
2:30
